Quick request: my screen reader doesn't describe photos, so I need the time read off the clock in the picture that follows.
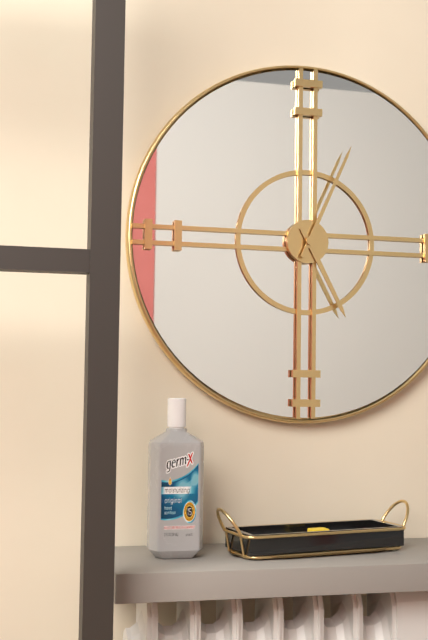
5:04
